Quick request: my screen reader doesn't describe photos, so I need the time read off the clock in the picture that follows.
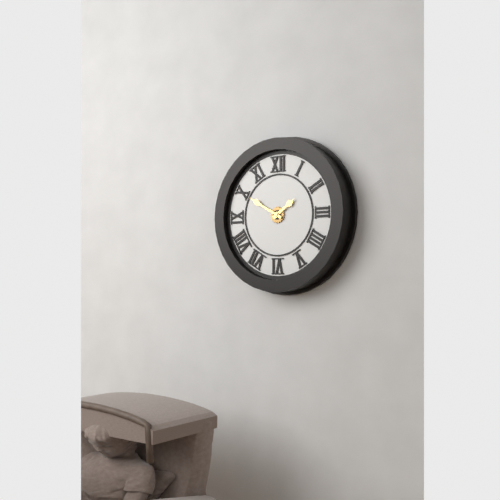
1:50
